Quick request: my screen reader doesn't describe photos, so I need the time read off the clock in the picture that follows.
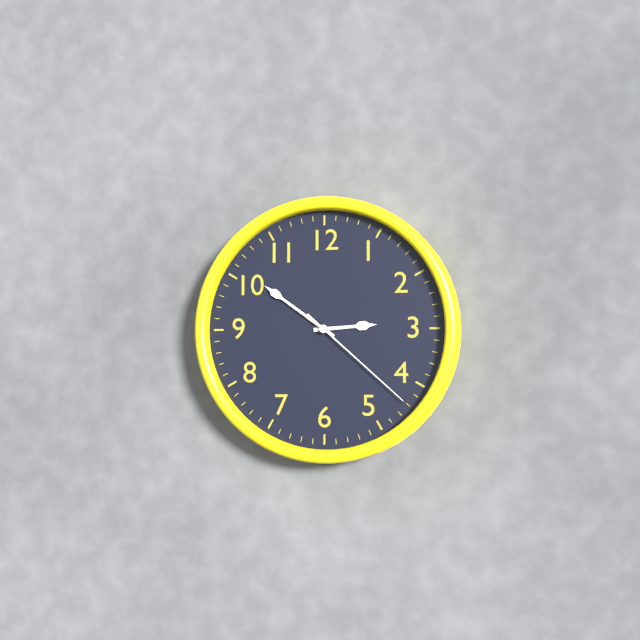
2:51:22
